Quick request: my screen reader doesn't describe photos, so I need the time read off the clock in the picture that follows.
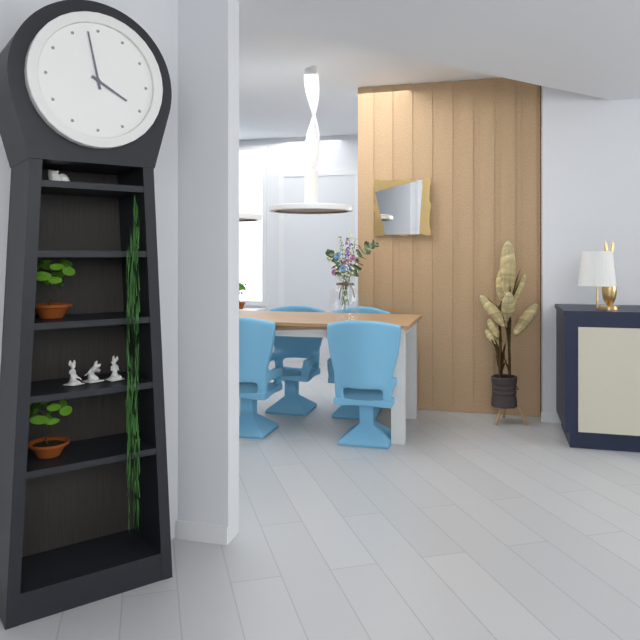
3:58
